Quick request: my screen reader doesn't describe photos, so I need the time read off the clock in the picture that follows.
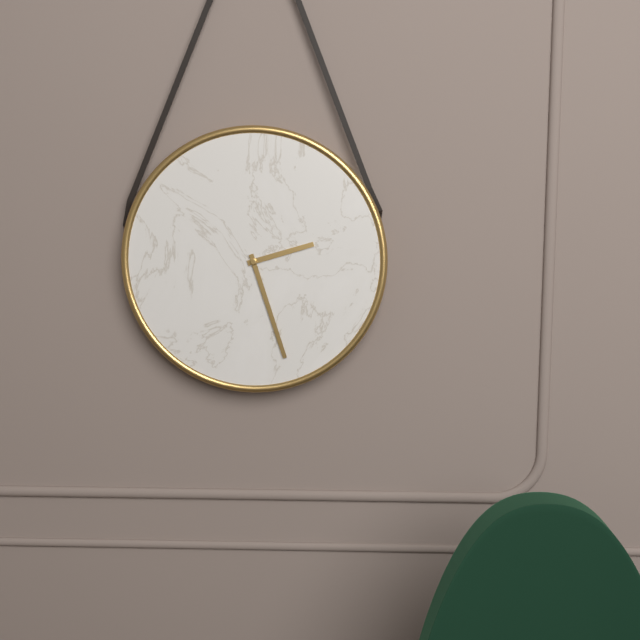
2:27
